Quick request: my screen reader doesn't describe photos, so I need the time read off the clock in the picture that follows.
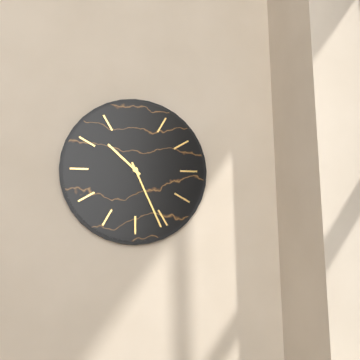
10:26
